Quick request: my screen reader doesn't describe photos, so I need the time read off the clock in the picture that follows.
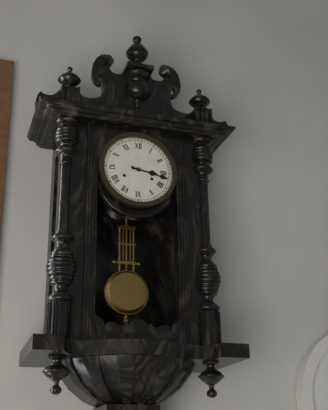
3:17
